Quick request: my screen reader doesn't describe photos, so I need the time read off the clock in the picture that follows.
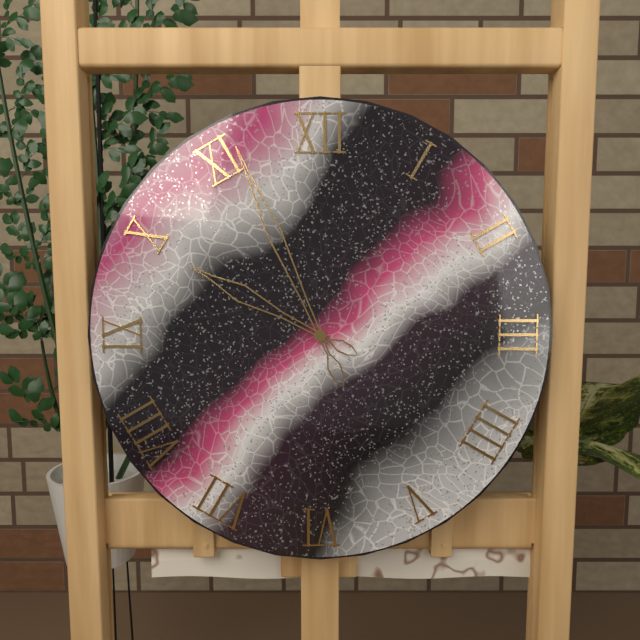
9:56
